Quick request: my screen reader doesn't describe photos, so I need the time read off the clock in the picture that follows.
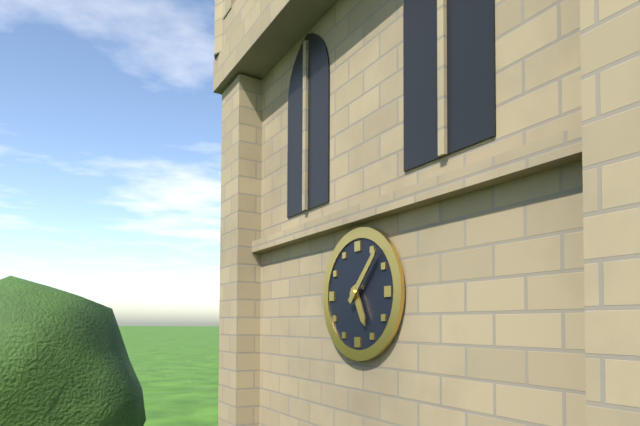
5:07
